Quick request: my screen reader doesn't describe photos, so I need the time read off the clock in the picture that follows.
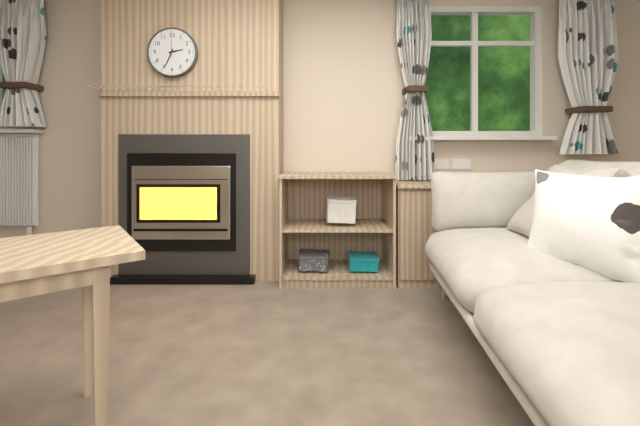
2:34
